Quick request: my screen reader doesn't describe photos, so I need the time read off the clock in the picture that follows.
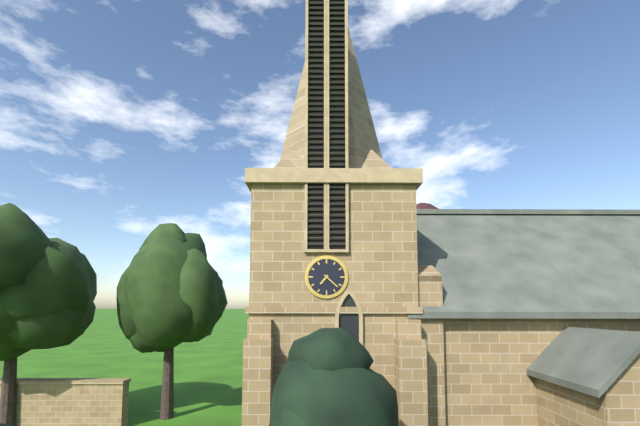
7:22
